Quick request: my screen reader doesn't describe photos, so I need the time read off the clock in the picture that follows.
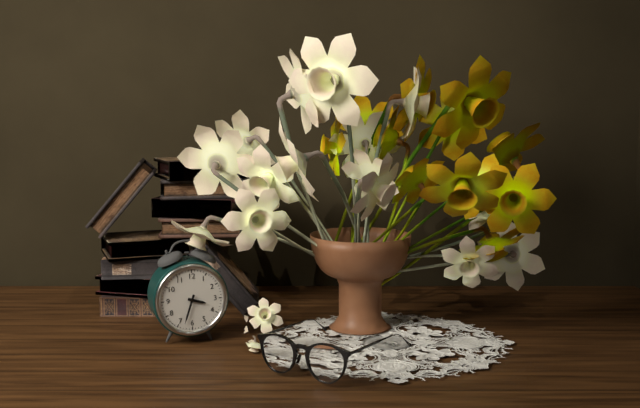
3:33
